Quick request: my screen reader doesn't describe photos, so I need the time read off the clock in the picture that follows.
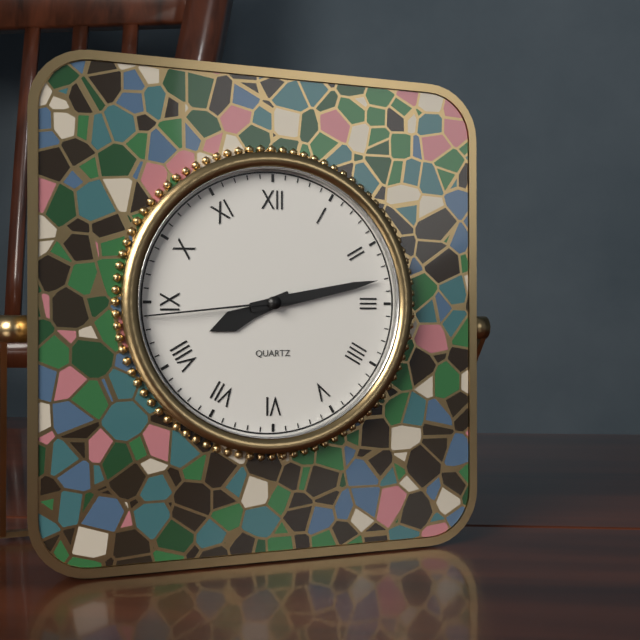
8:13:44
